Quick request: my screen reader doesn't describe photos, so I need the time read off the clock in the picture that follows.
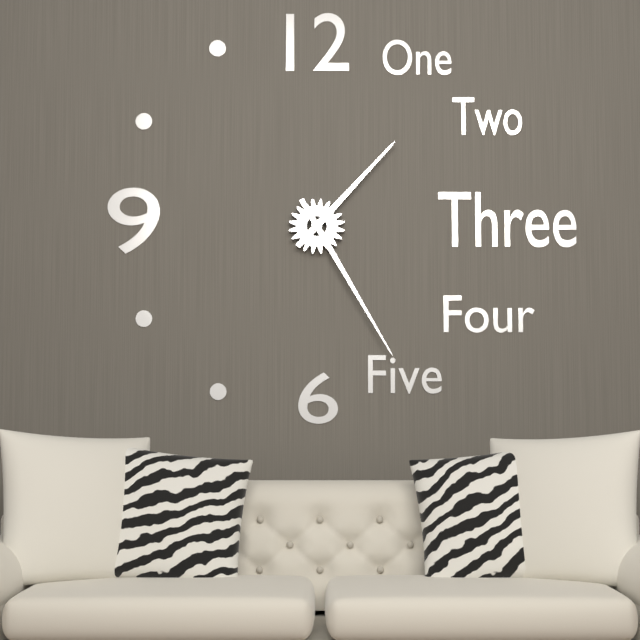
1:25
